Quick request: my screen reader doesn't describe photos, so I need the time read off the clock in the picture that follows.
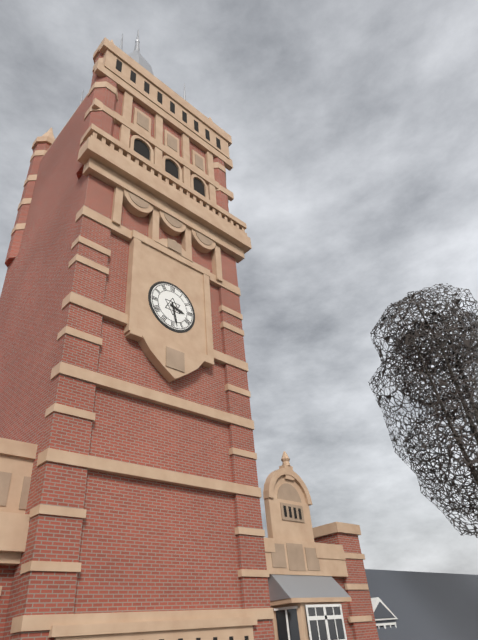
3:28
